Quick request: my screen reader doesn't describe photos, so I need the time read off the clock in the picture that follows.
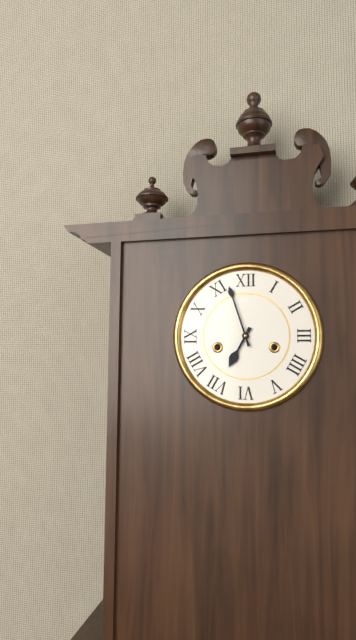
6:57
